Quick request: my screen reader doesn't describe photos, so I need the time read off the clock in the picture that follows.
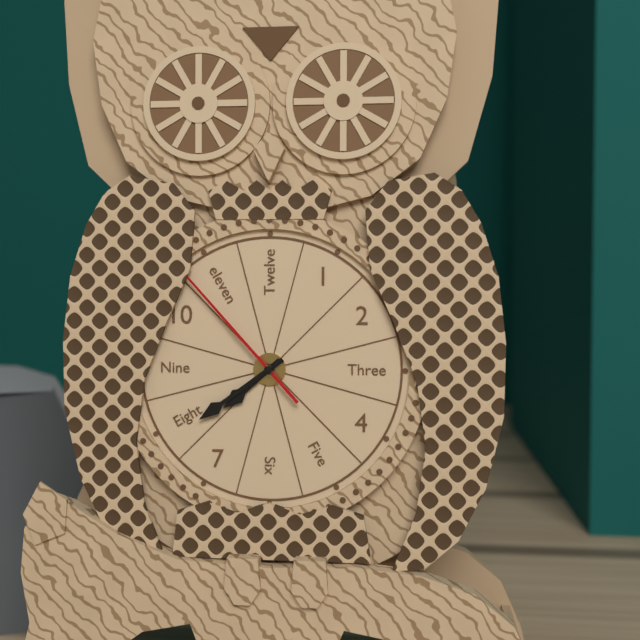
7:39:53
